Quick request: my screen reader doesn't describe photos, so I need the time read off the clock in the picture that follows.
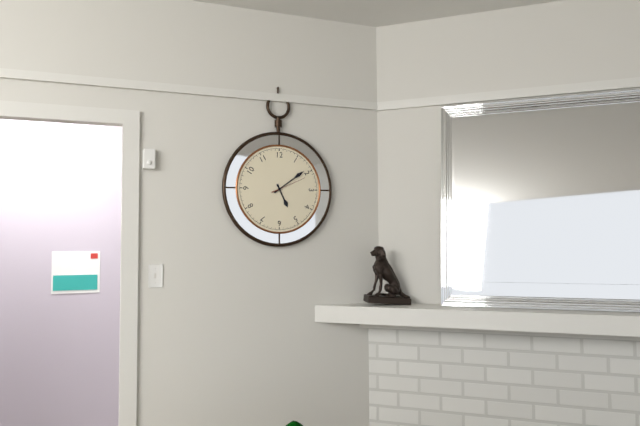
5:09
